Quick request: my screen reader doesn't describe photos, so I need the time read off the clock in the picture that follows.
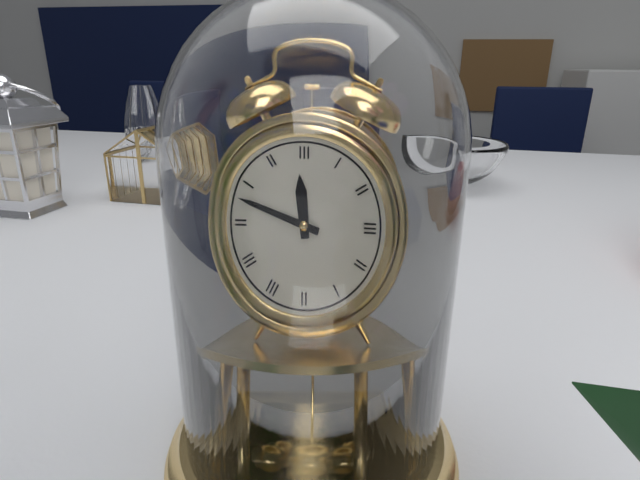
11:48
